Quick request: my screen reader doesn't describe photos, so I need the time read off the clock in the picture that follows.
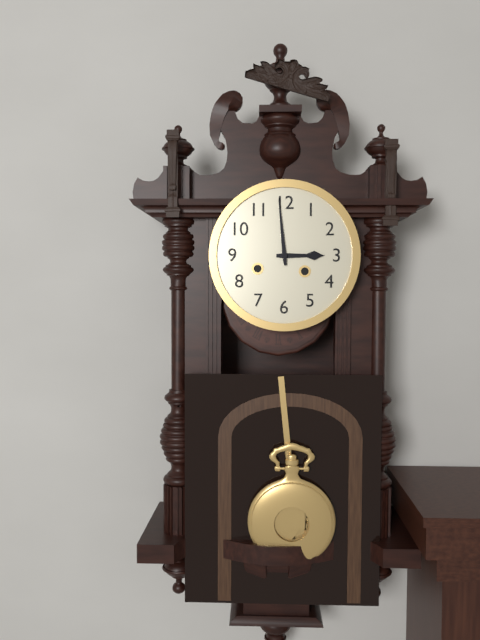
2:59
